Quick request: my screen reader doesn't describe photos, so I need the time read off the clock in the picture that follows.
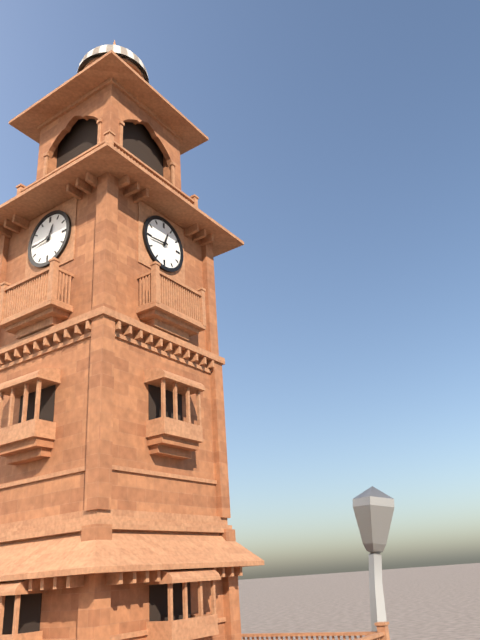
12:44
